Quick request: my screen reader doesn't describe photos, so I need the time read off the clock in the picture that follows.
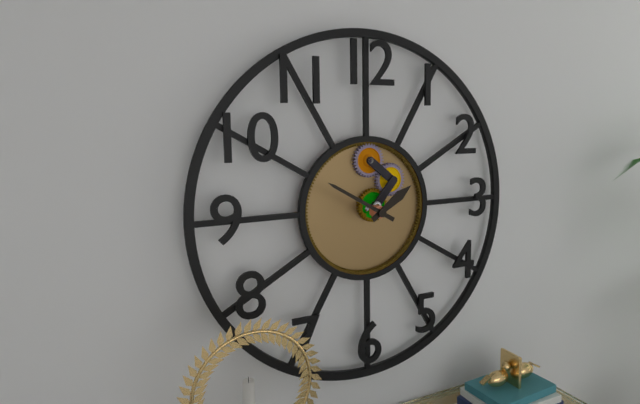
1:50
